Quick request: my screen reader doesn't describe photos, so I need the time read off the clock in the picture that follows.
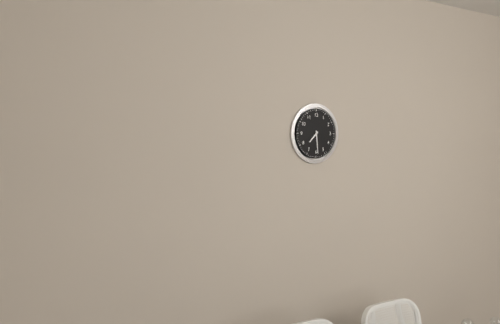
7:29
